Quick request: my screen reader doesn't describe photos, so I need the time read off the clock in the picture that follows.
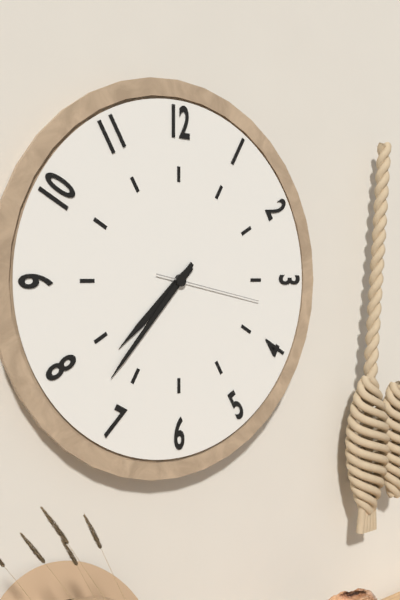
7:37:17
